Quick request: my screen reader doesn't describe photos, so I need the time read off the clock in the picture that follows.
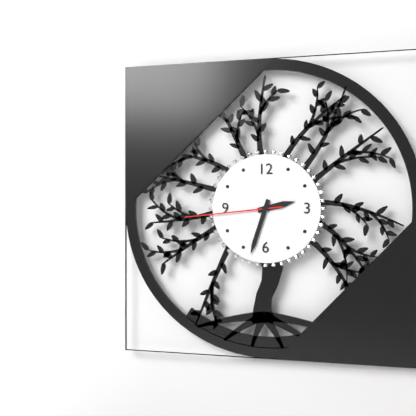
2:33:44
